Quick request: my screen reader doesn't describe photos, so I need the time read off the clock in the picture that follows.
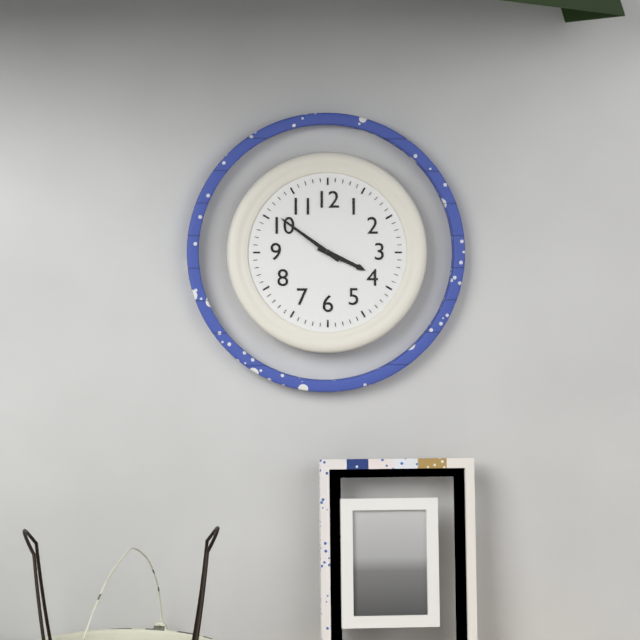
3:51
